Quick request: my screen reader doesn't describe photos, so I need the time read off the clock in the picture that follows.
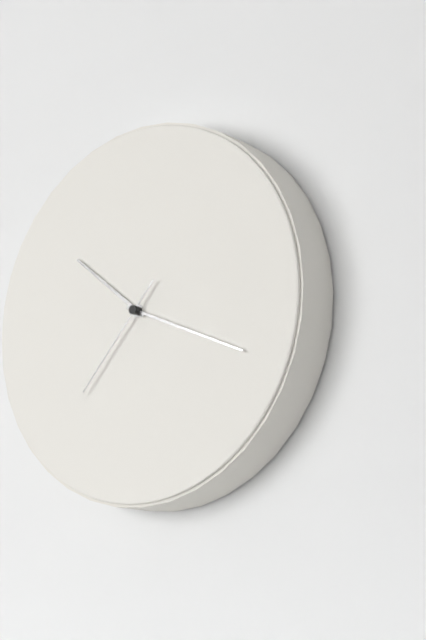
10:19:37
